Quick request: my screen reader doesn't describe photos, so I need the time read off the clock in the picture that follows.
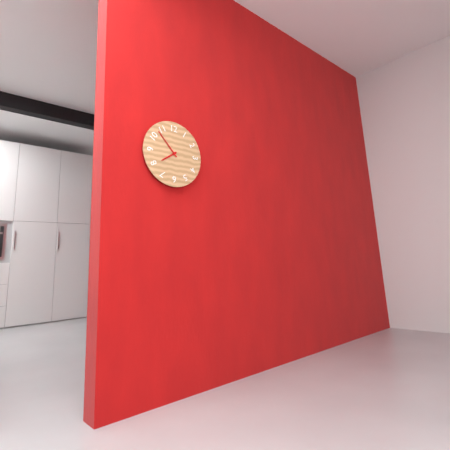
7:53
